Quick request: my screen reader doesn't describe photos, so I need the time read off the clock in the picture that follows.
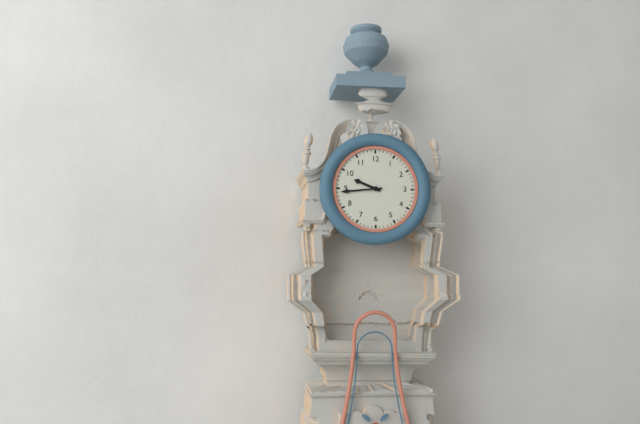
9:44
